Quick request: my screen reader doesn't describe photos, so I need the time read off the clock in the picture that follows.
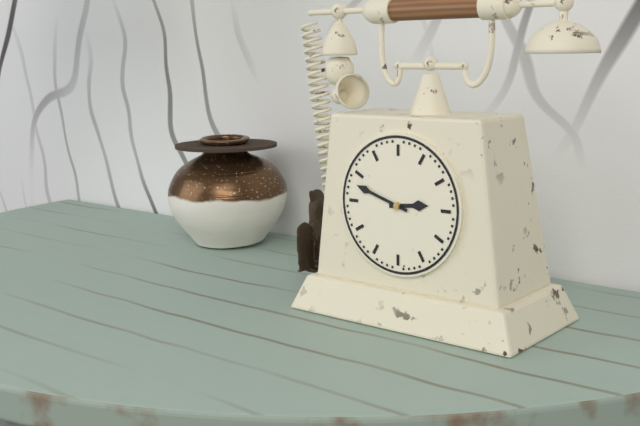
2:48
